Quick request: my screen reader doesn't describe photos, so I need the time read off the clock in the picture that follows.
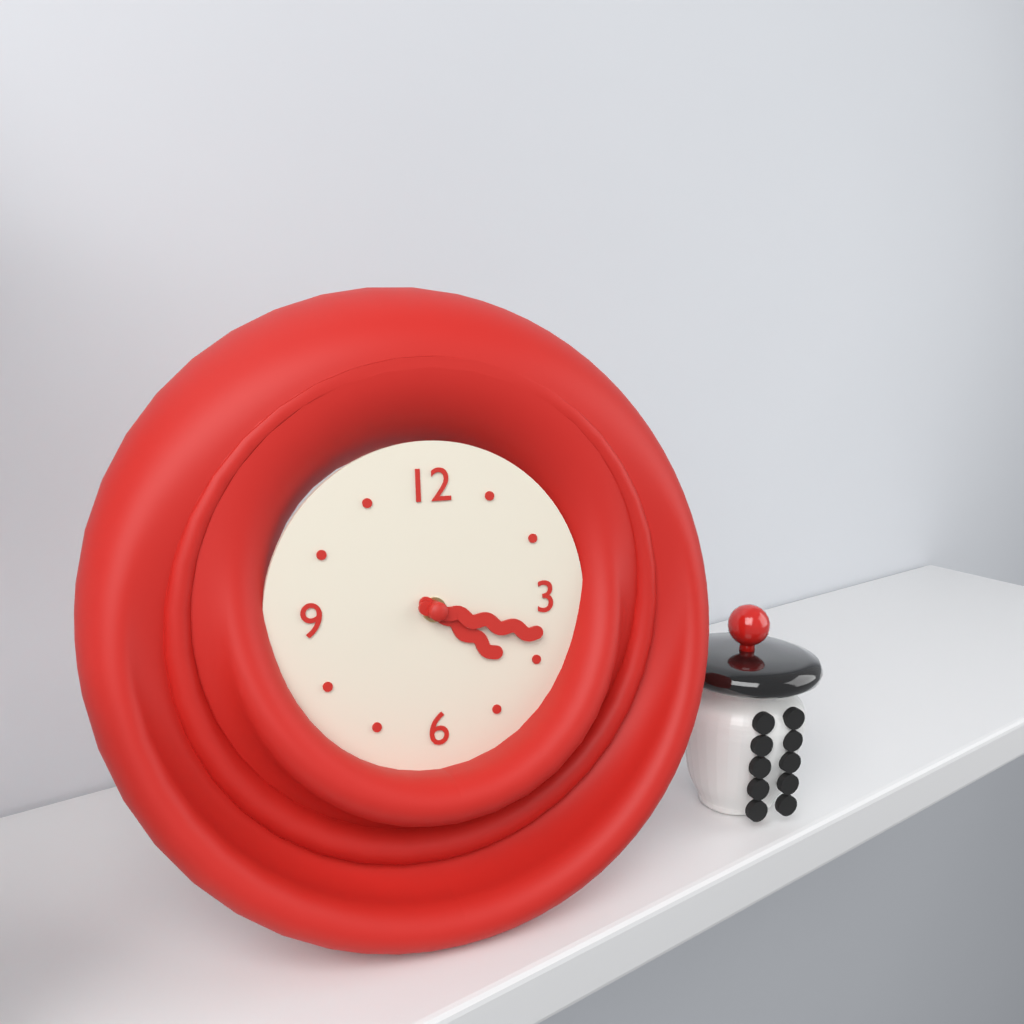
4:18
